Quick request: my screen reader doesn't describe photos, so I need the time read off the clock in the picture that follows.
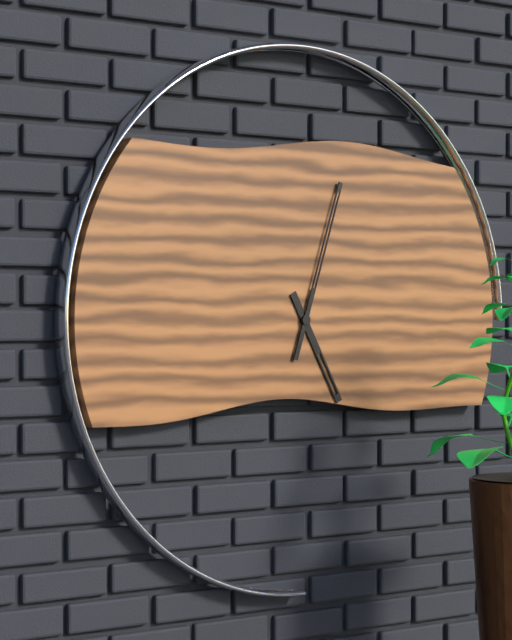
5:03
